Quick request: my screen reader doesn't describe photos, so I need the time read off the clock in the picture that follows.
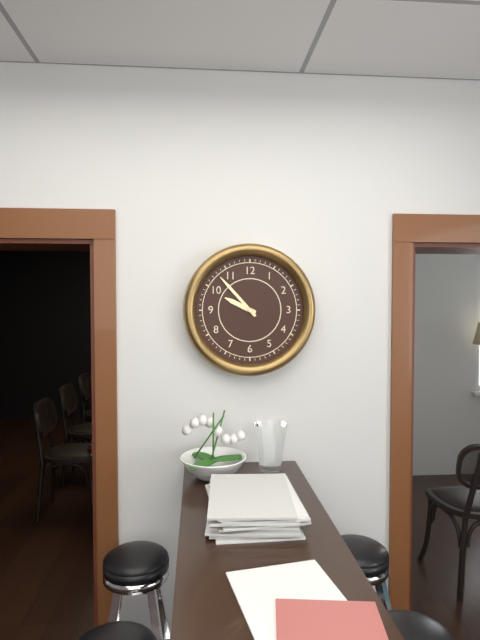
9:53
